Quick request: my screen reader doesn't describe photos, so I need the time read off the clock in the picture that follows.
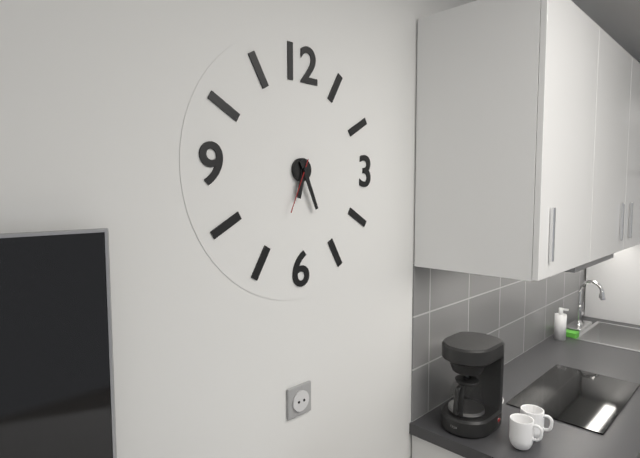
6:26:34
